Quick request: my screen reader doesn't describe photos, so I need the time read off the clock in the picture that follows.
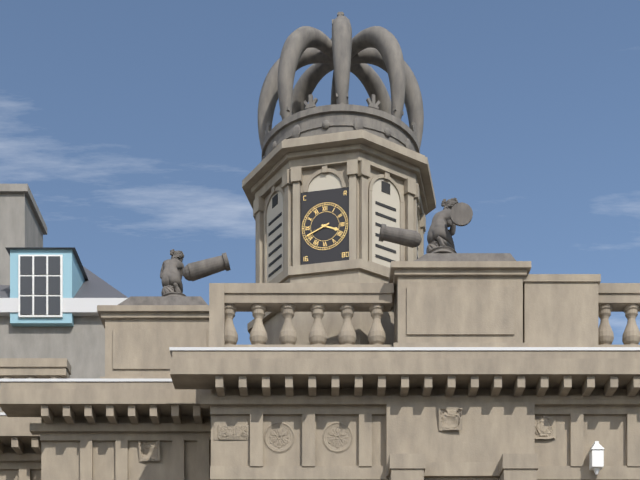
3:41
